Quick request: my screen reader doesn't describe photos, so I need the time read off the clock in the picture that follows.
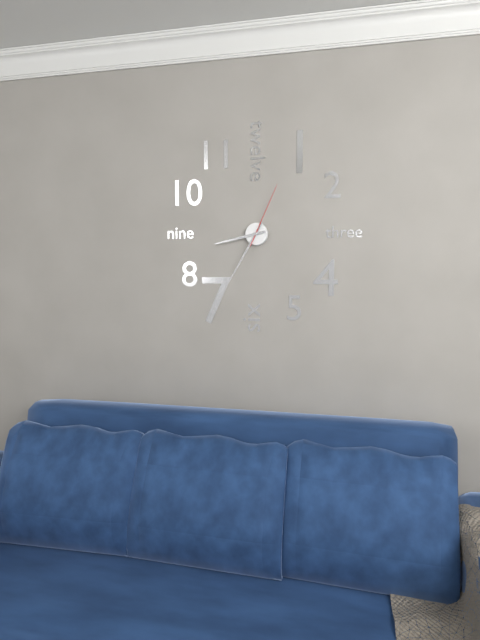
8:35:04
